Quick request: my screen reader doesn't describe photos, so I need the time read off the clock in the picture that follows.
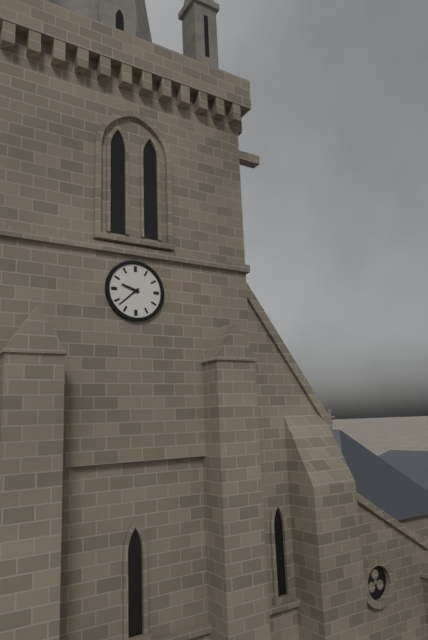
9:38
